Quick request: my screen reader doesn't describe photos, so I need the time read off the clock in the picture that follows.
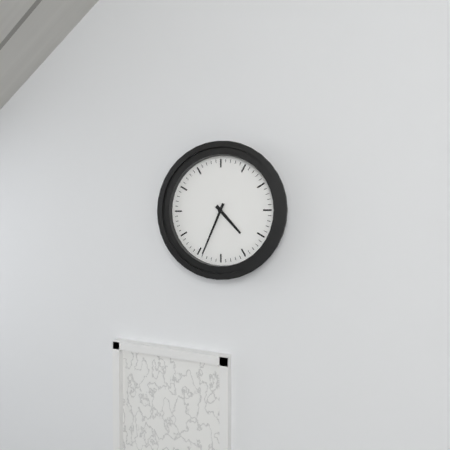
4:34
